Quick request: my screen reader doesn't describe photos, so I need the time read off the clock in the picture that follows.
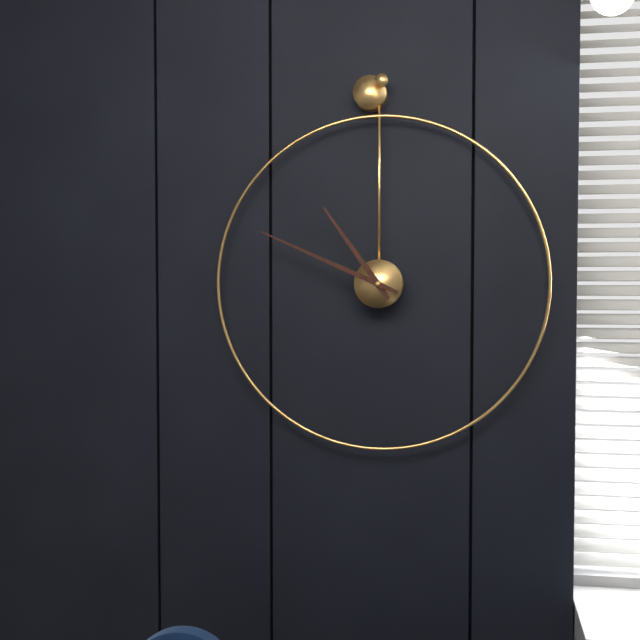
10:49
